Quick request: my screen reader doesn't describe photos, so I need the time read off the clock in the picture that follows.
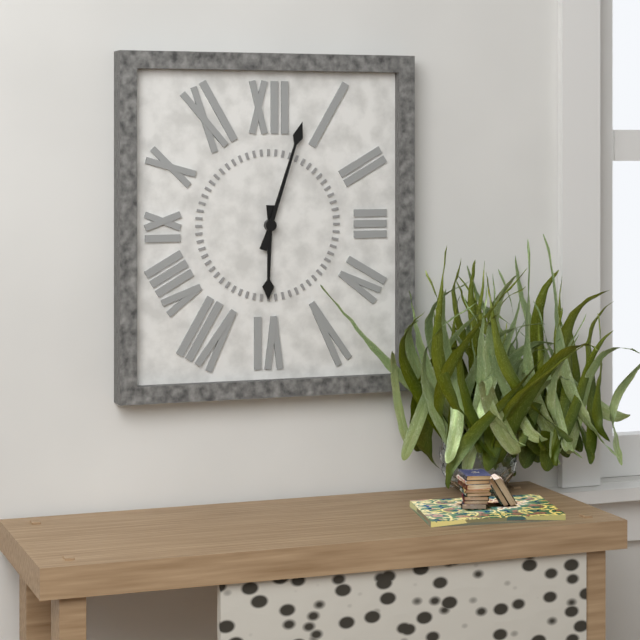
6:03
